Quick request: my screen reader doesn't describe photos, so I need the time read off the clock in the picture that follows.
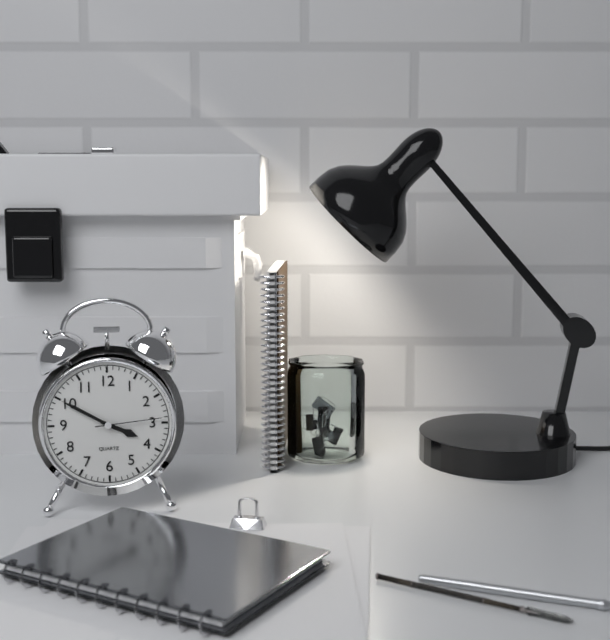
3:50:14
